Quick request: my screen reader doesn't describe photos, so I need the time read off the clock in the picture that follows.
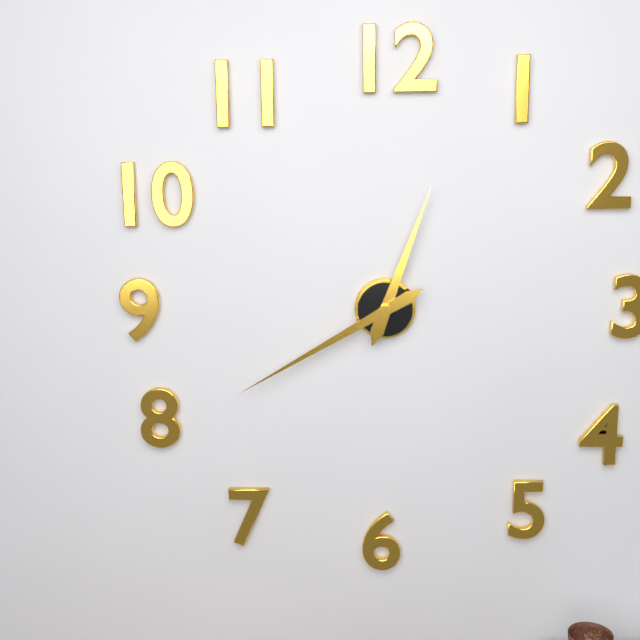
12:40
